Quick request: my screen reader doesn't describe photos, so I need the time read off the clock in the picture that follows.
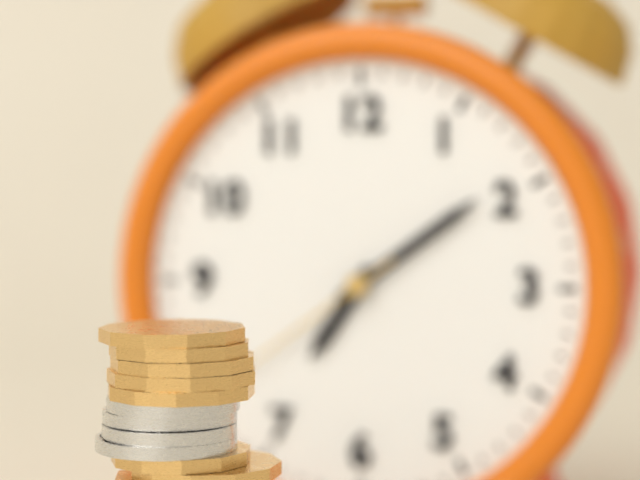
7:09:39
